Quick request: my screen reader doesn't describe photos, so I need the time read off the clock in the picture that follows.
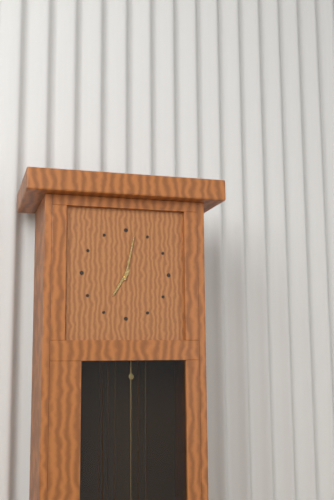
7:02
